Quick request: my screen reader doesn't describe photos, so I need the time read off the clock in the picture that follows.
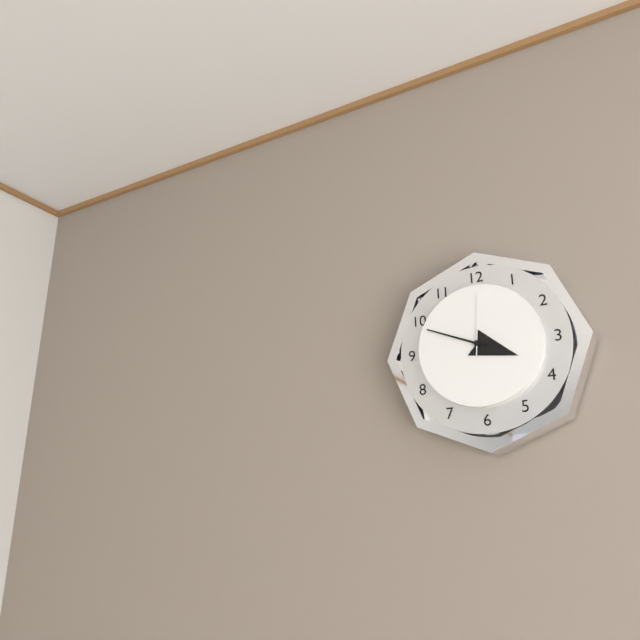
3:49:01
